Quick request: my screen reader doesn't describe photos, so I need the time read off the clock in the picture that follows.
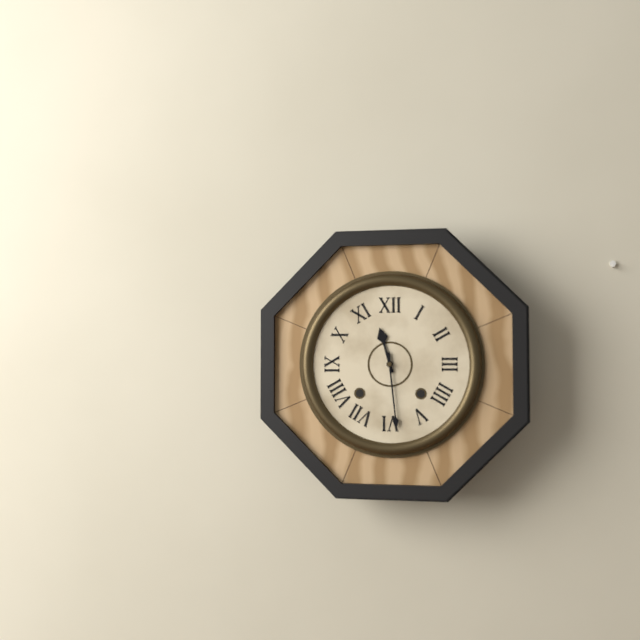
11:29
